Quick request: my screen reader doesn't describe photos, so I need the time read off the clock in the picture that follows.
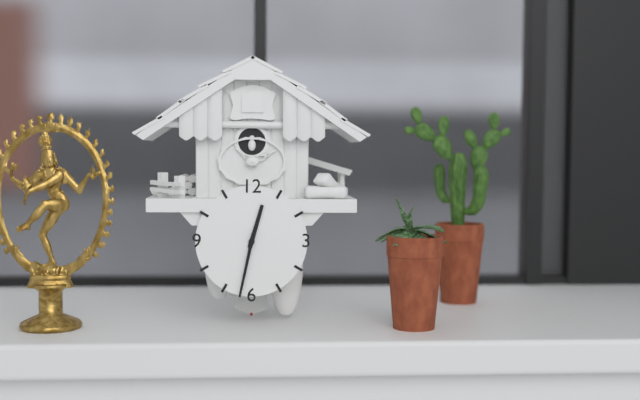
12:32
